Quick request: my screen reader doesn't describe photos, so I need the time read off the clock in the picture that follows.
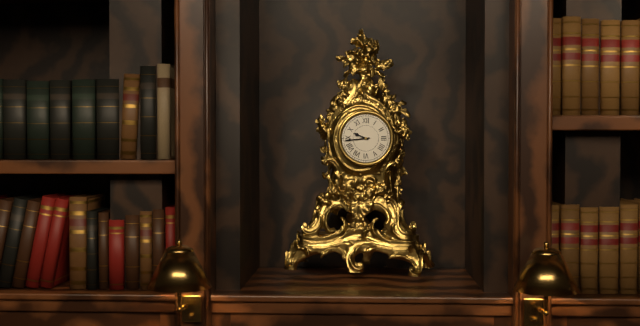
9:44
